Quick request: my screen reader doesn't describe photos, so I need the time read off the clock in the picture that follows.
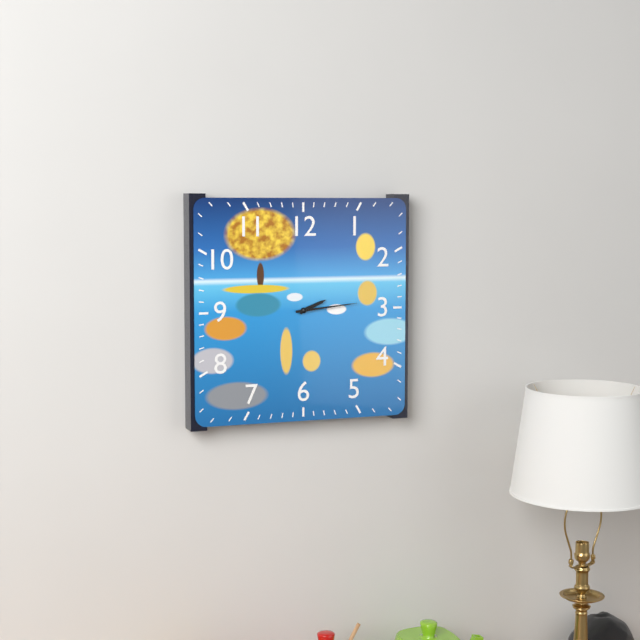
2:14
